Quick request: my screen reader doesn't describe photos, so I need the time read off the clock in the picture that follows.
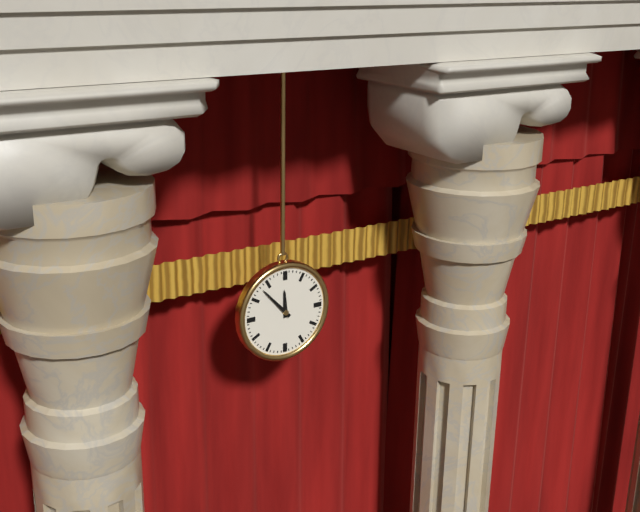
11:53
